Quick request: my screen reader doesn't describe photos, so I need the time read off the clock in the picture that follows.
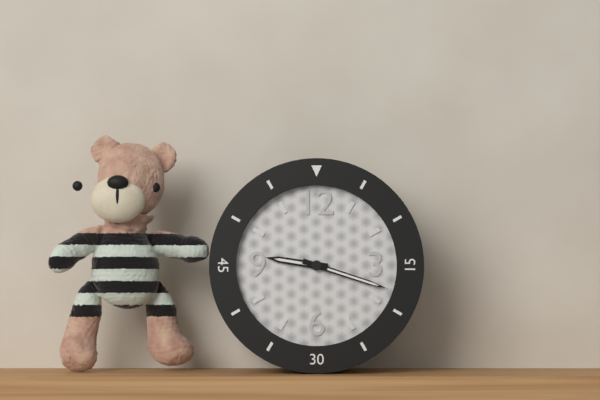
9:18
